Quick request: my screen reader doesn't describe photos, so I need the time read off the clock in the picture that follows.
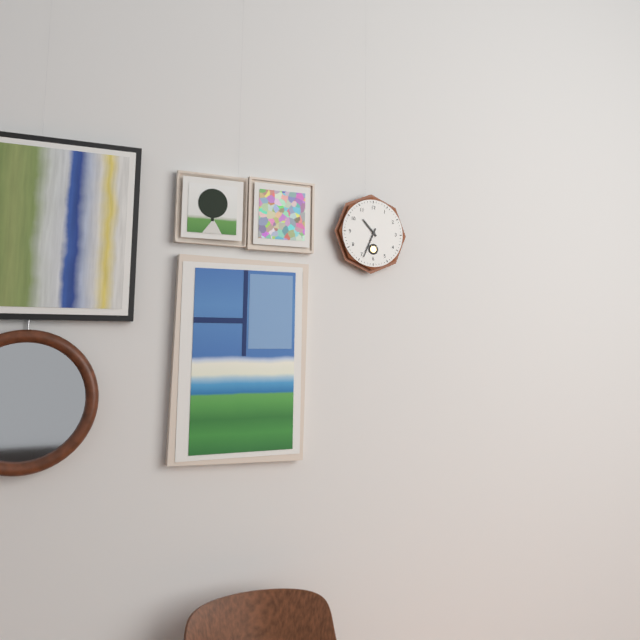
10:34
